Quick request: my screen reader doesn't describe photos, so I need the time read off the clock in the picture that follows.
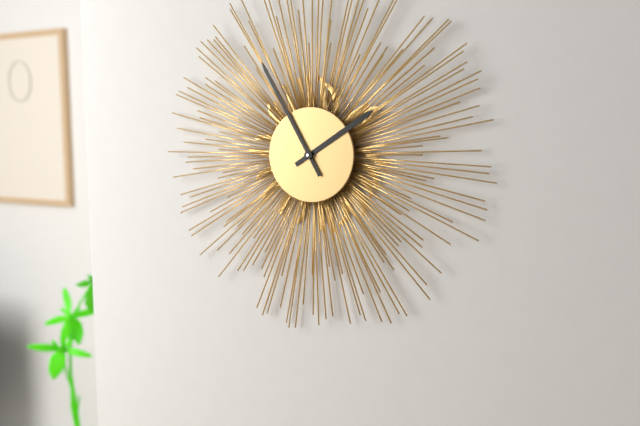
1:55
